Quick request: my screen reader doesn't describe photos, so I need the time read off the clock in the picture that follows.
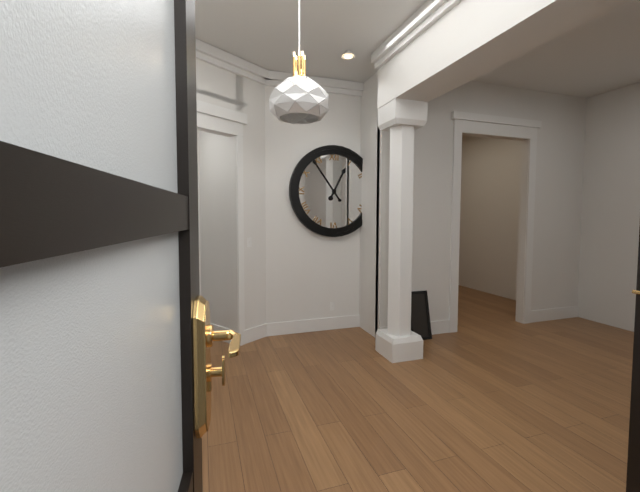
12:54
